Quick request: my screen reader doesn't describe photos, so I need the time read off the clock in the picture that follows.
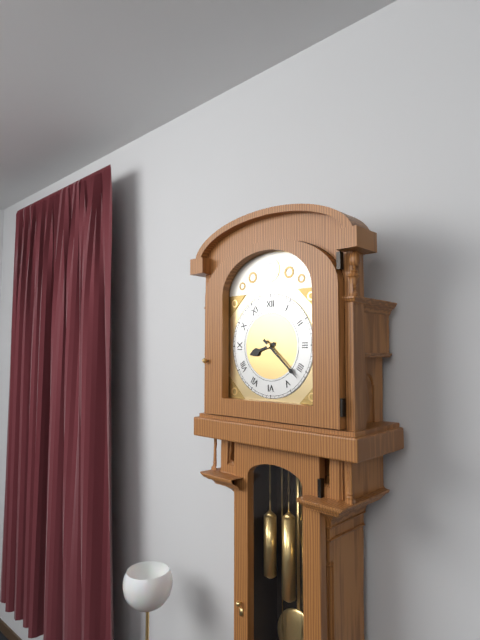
8:22
